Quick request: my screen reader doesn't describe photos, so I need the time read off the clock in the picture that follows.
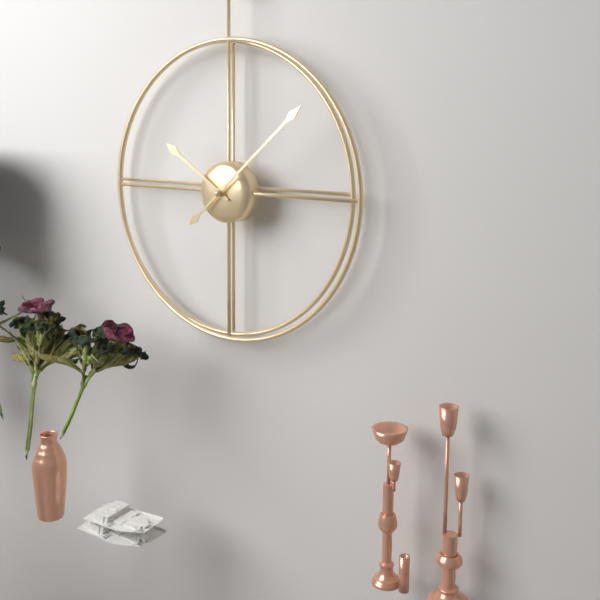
10:08
